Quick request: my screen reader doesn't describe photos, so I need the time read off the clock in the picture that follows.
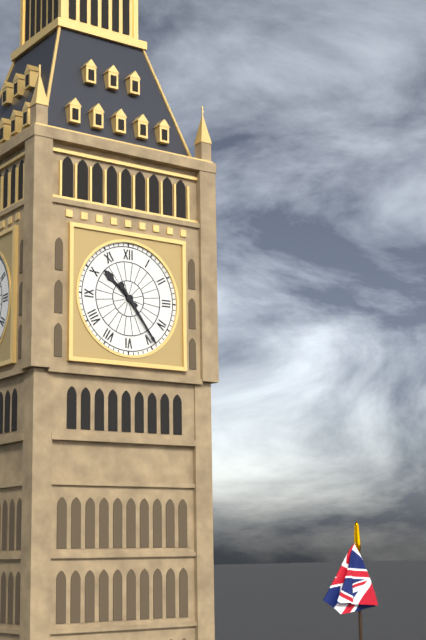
10:24
